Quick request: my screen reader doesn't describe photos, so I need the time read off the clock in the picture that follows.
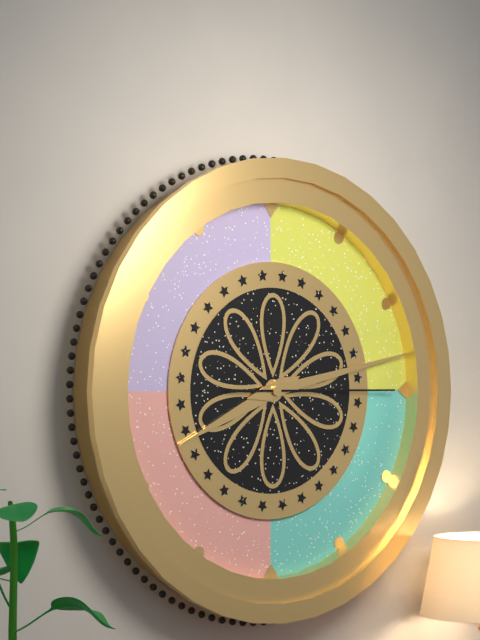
8:13:15
